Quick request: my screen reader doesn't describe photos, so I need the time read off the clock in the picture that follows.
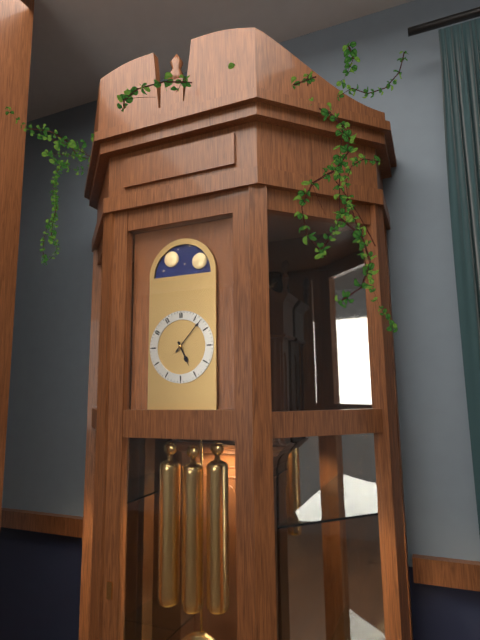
5:07
